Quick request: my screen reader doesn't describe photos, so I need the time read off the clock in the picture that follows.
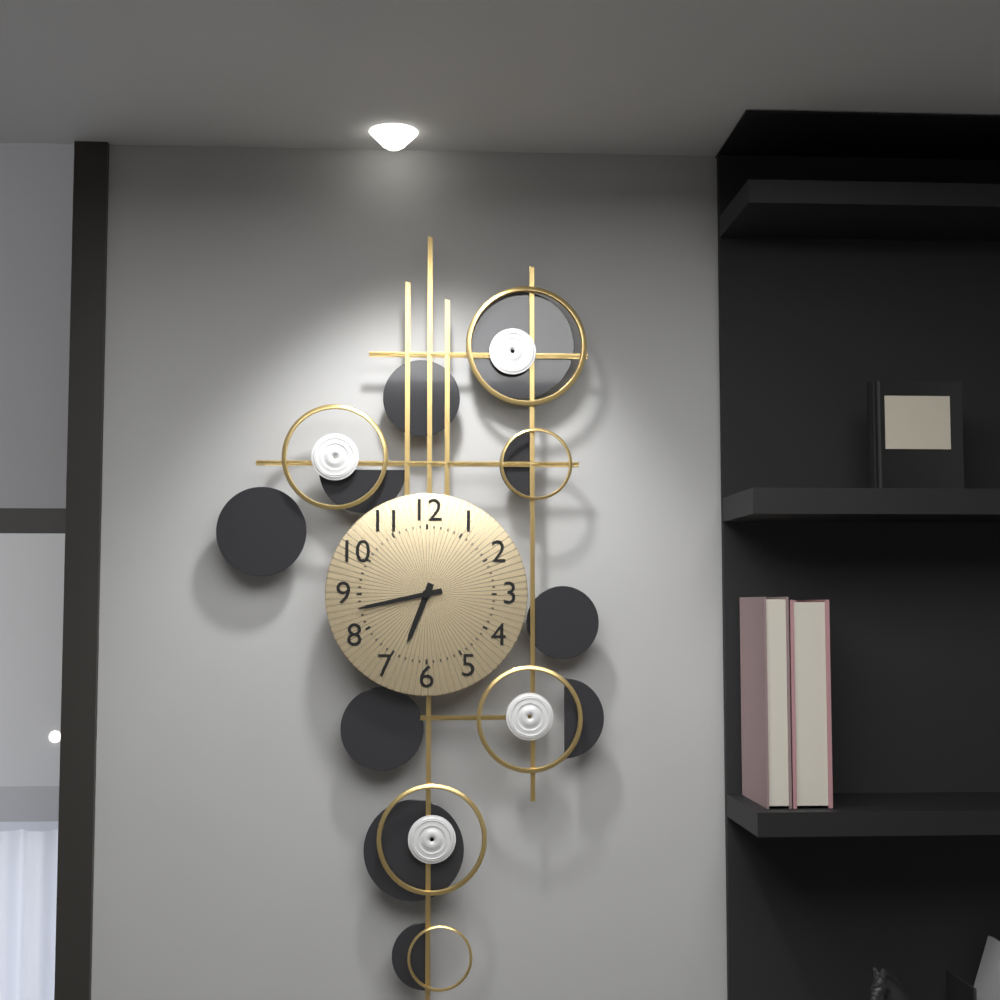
6:43
